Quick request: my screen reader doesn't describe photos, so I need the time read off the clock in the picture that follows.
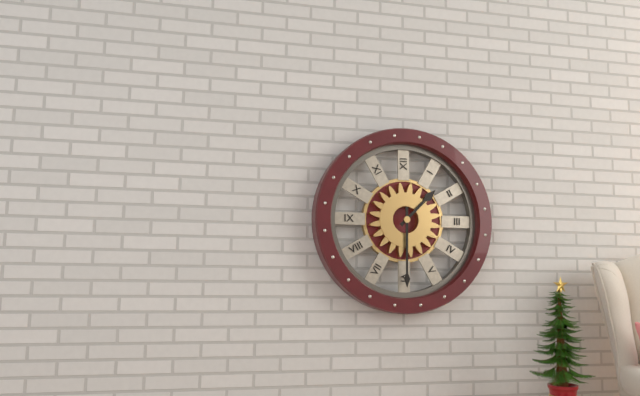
1:30
